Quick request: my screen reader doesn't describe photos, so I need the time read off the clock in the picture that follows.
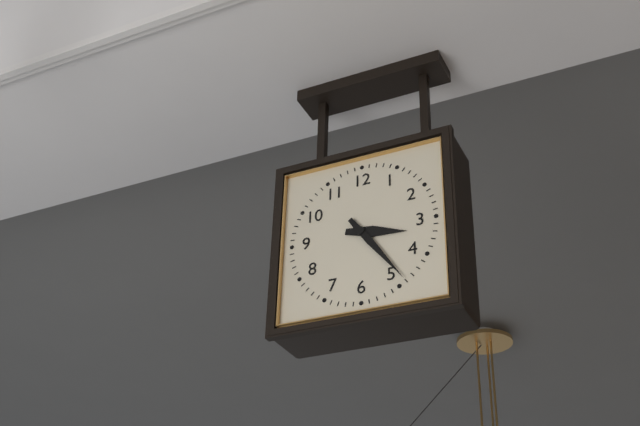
3:24
